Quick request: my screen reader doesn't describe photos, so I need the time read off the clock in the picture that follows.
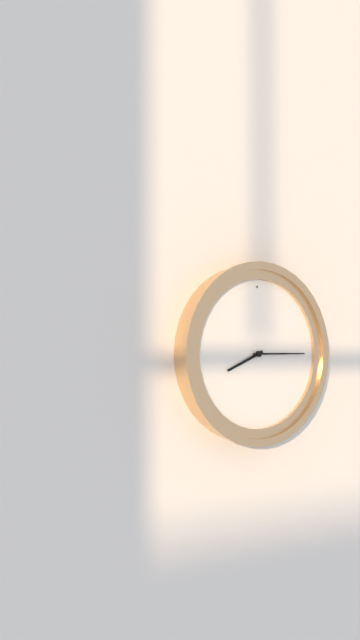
8:15
